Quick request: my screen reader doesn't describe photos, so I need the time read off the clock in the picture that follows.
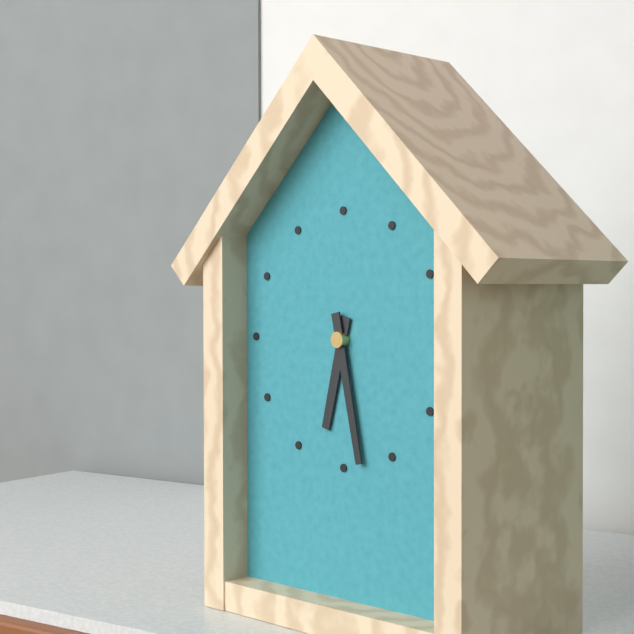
6:28
